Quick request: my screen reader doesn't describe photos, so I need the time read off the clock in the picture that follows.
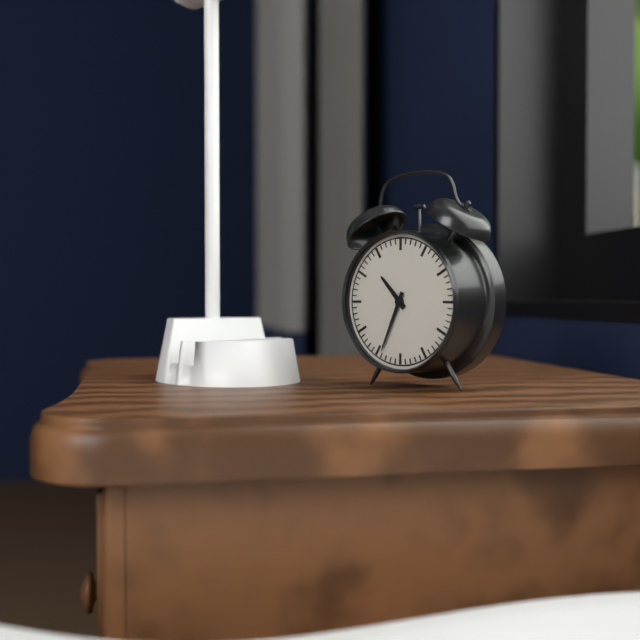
10:34
